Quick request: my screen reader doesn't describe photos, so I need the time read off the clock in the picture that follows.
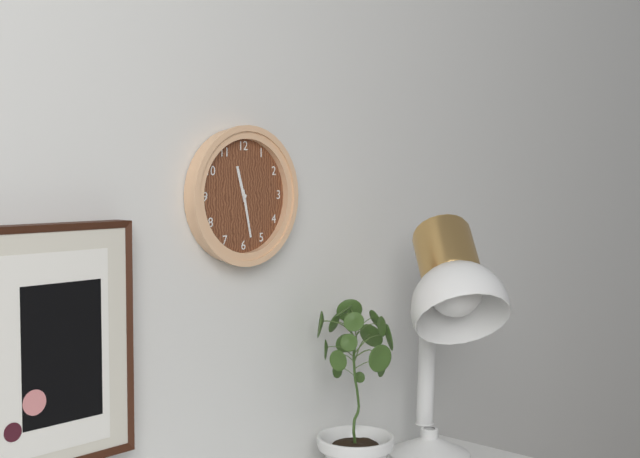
11:28
